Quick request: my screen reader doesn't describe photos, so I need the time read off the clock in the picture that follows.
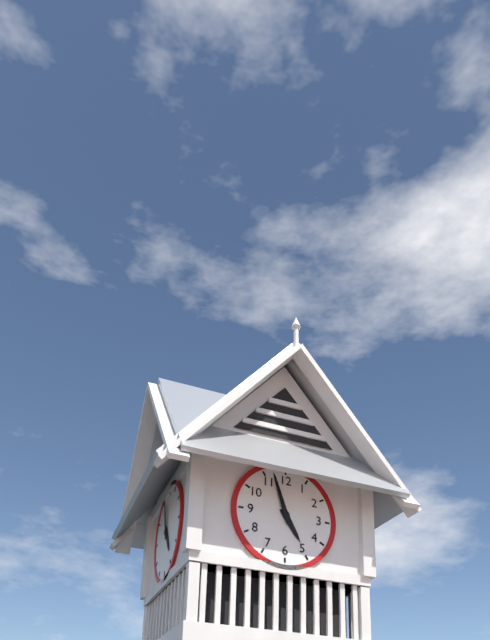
4:57
